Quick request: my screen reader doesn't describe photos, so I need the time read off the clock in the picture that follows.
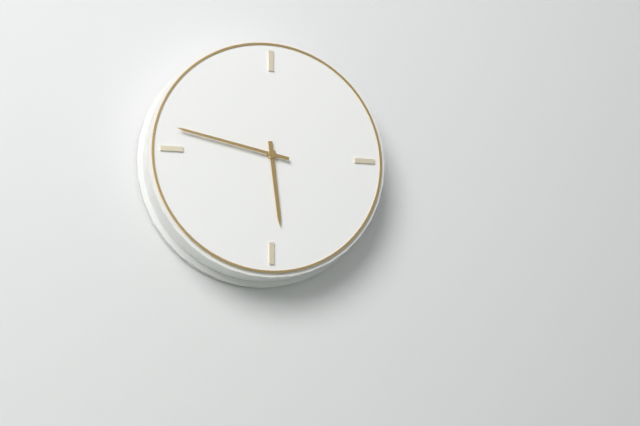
5:47
